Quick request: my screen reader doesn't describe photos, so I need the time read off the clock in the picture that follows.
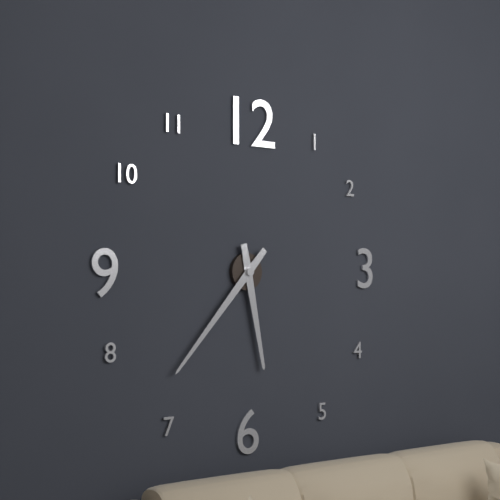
5:37
